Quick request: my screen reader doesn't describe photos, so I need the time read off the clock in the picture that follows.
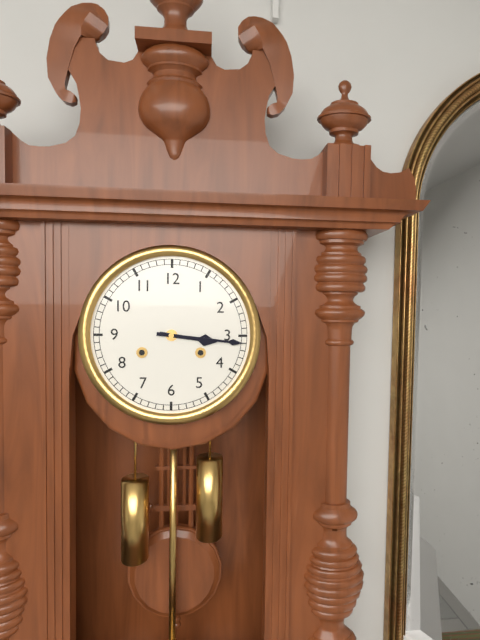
3:16
